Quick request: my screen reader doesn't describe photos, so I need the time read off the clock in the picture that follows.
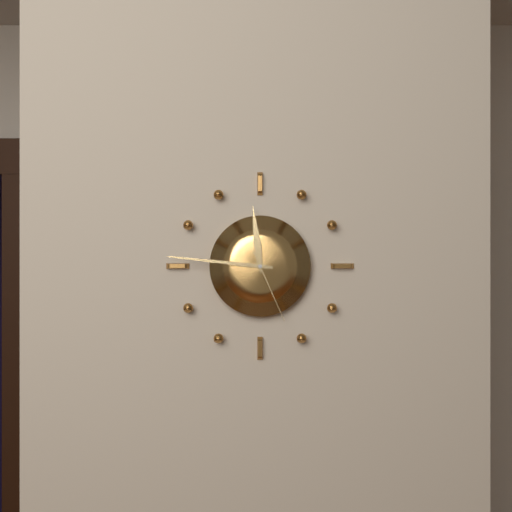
11:46:26
